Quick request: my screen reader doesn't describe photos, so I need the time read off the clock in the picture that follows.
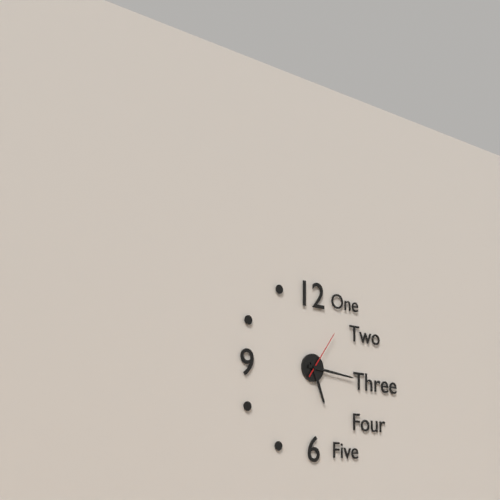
5:16:06
